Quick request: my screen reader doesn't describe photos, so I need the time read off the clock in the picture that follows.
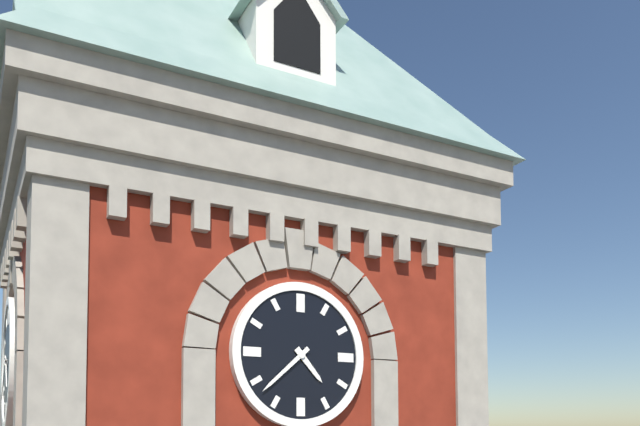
4:38
